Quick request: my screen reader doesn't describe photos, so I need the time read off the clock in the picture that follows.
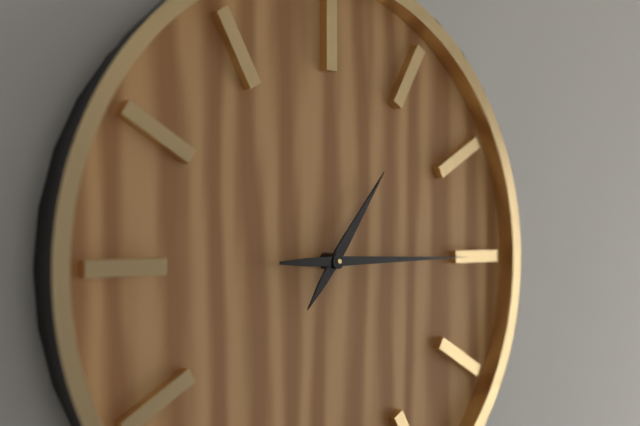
1:15
